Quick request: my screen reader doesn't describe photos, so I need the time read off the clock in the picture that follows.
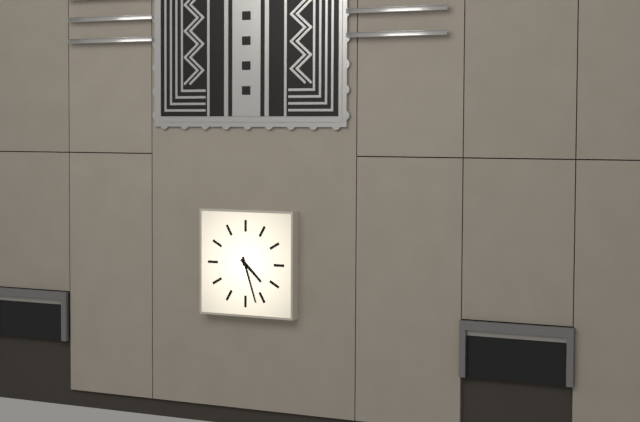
4:27
